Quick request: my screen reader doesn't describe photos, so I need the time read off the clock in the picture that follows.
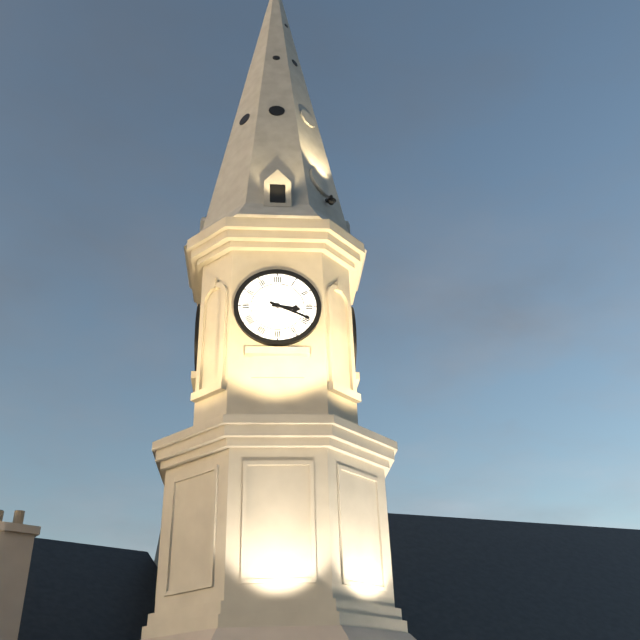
3:19
